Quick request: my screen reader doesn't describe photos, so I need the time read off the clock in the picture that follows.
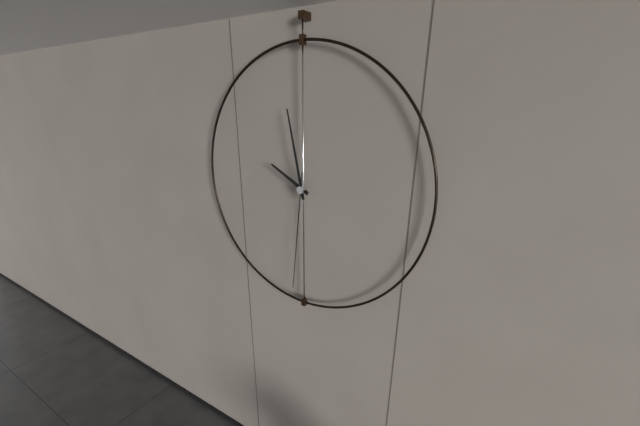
9:58:31
